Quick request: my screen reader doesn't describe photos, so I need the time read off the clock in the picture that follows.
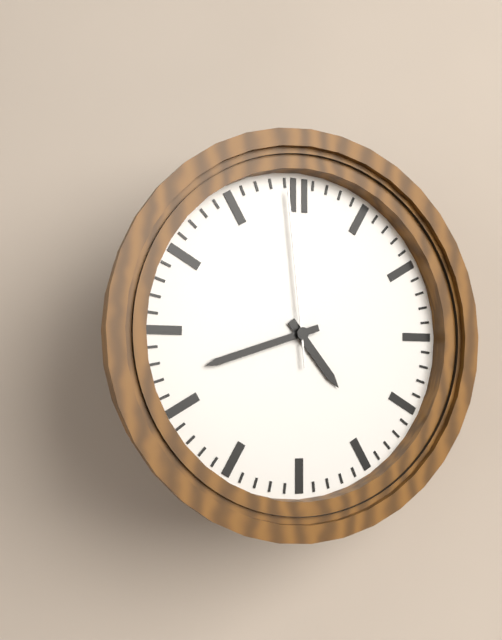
4:42:59
